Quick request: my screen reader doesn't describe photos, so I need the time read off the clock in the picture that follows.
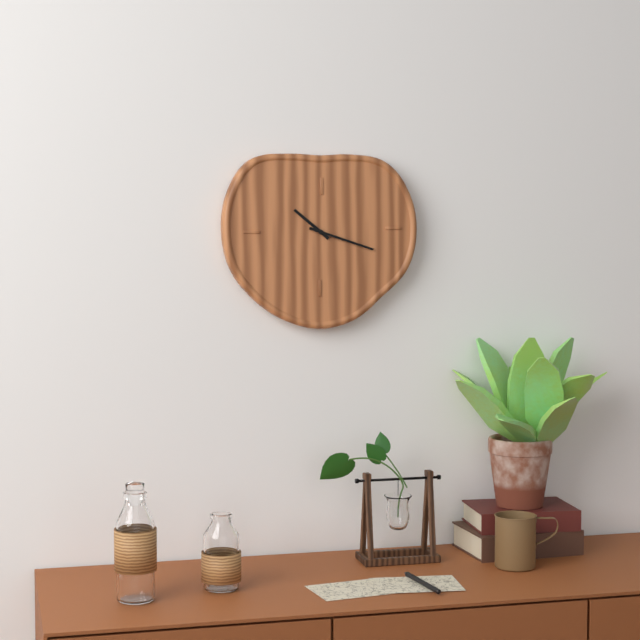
10:18
